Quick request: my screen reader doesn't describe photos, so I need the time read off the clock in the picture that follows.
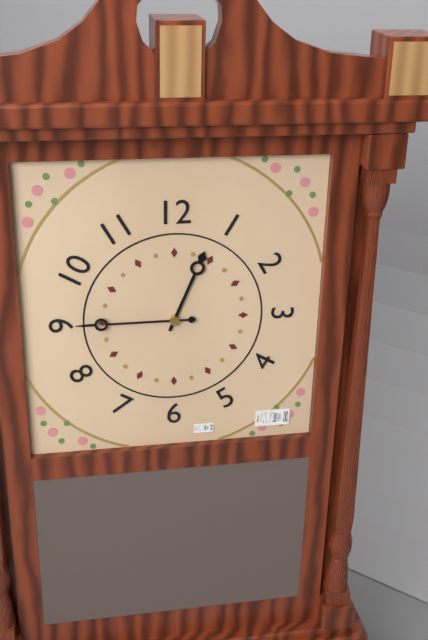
12:45
